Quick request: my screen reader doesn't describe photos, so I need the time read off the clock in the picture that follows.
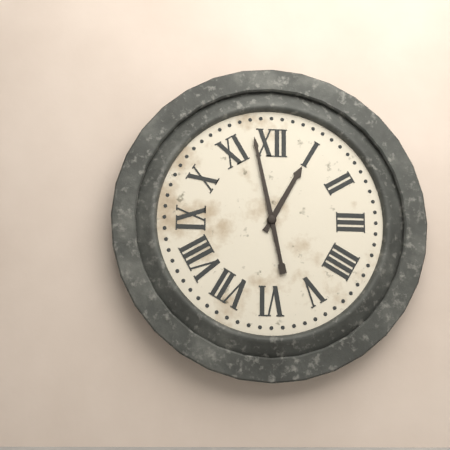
12:58
